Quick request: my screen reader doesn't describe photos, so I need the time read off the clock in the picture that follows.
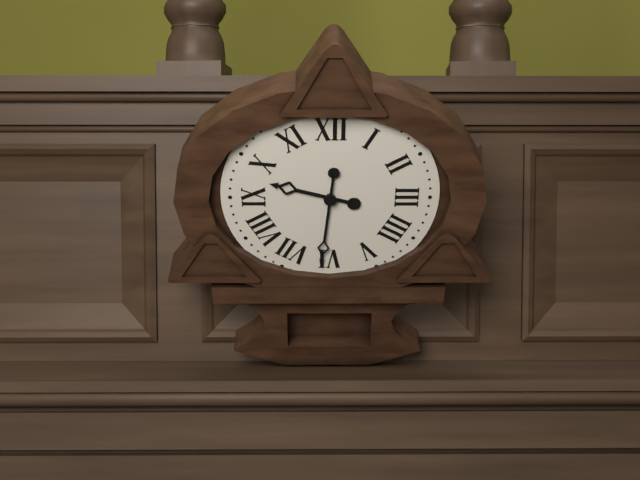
9:31
